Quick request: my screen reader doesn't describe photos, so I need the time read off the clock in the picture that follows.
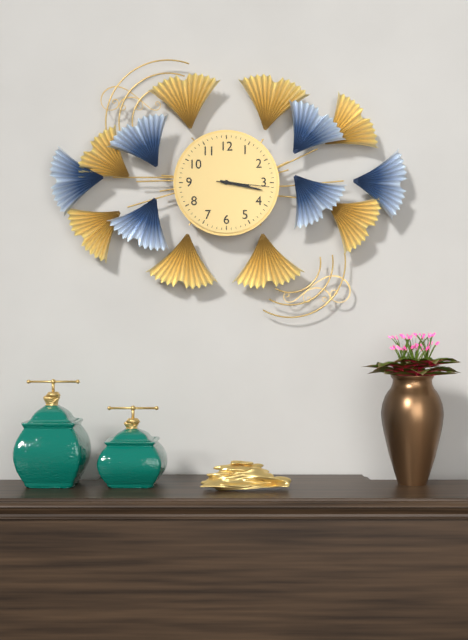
3:17:16
